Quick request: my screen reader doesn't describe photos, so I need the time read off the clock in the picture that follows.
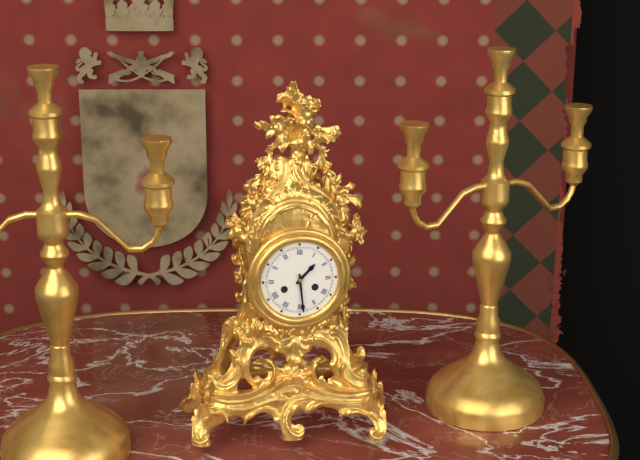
1:29
